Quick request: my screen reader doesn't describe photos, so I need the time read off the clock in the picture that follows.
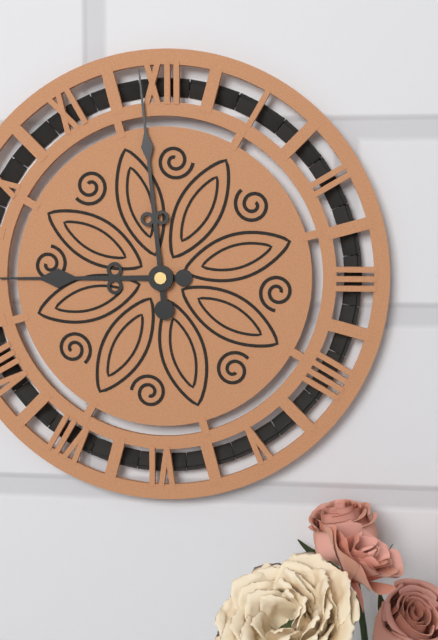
8:59
